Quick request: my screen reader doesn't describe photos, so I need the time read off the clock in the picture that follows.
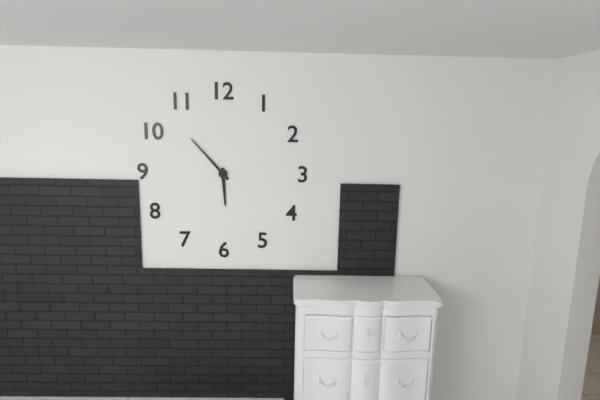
5:53
